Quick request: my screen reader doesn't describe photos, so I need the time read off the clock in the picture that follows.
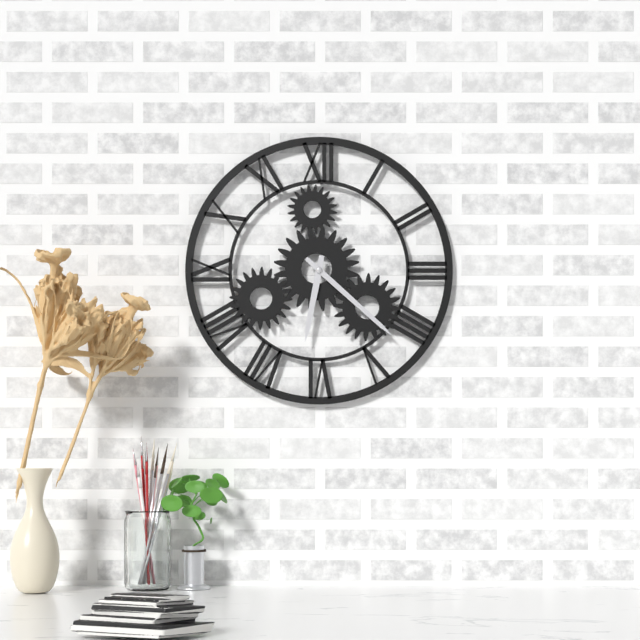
6:22
